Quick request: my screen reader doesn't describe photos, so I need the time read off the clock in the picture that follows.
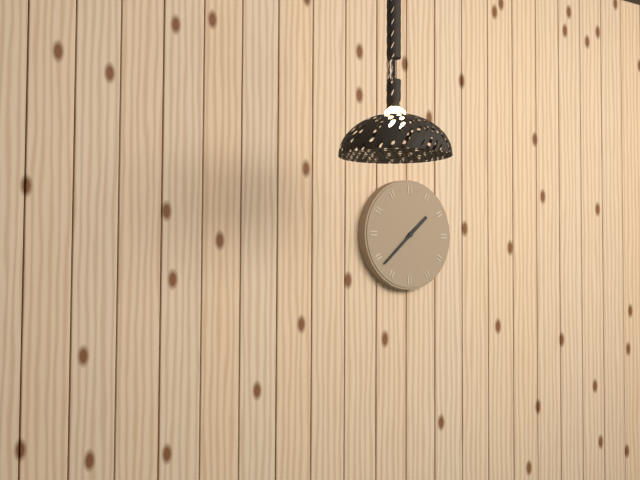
1:38
